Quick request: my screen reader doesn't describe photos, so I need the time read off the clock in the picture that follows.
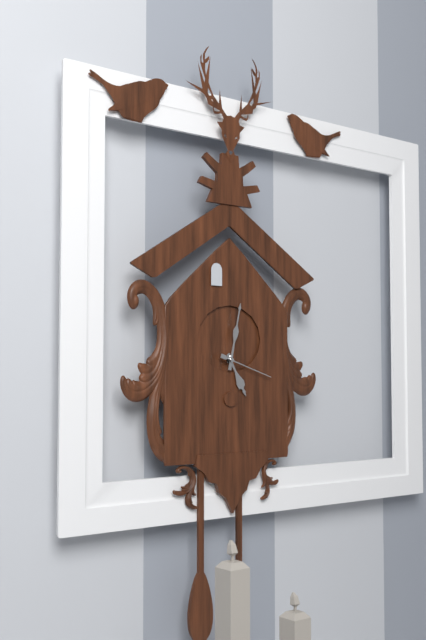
5:02:18
